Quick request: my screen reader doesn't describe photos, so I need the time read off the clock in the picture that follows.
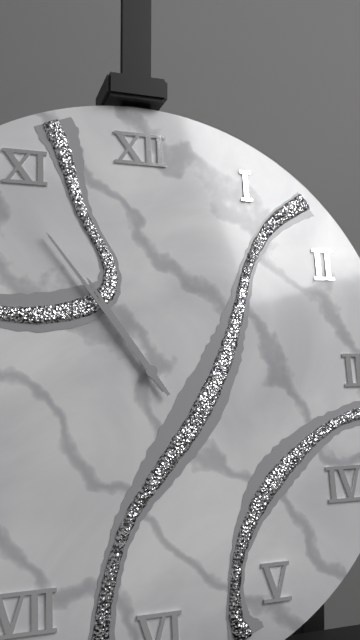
10:54
